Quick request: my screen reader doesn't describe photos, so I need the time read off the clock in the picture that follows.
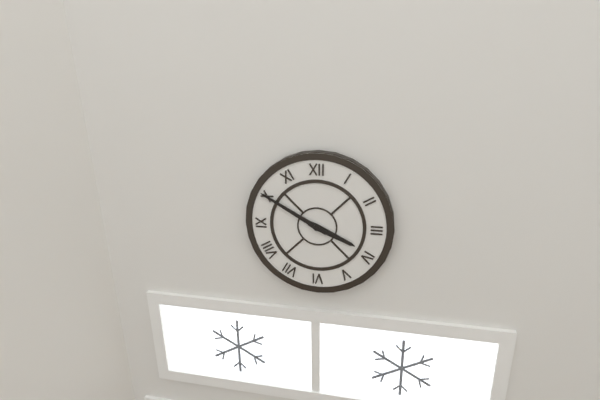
3:50
